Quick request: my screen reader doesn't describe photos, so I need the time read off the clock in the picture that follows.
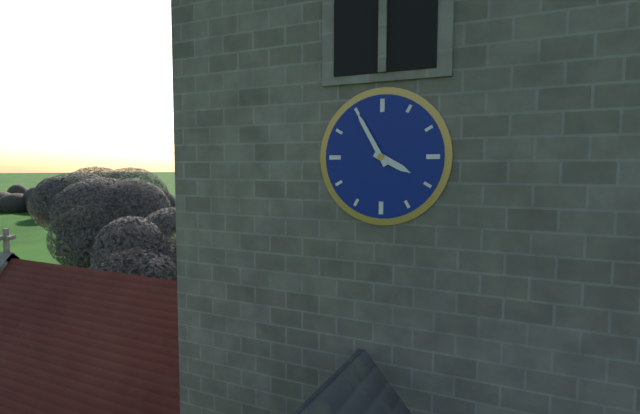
3:55
